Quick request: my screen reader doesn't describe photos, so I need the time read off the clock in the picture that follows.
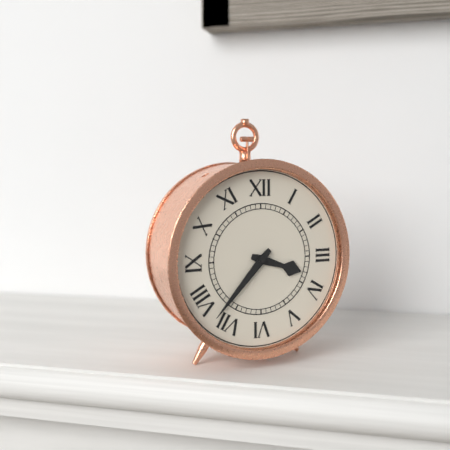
3:37
